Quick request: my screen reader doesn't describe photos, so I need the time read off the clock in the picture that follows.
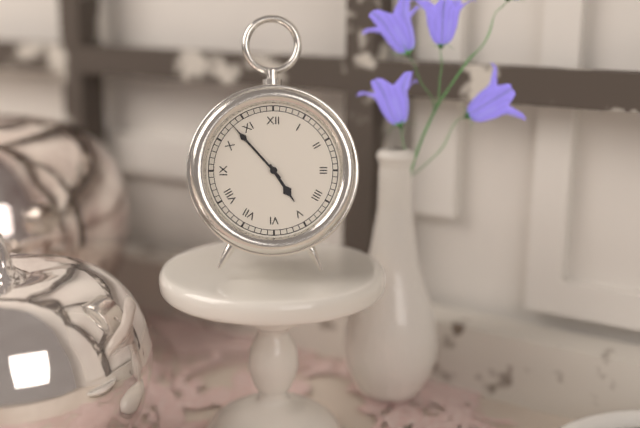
4:53
